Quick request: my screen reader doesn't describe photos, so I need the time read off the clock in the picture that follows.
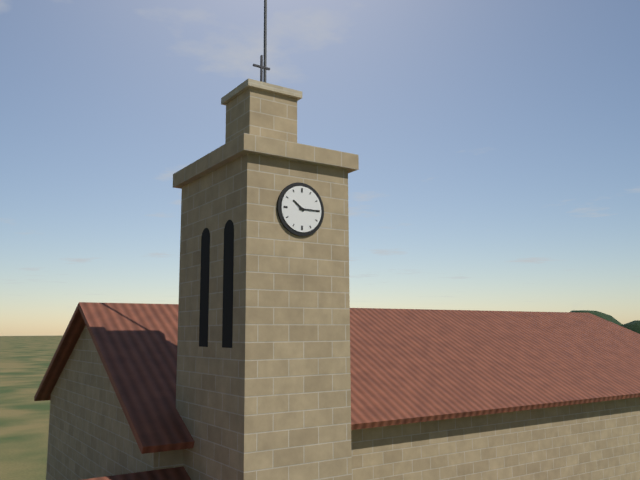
10:15
